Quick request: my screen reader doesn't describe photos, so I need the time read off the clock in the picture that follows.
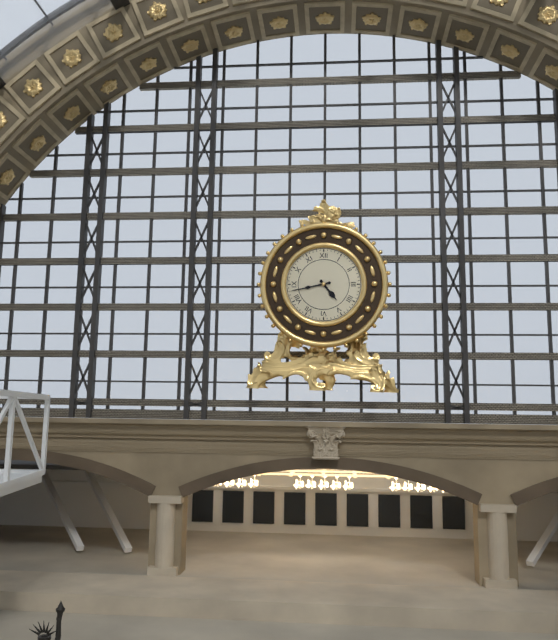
4:43
